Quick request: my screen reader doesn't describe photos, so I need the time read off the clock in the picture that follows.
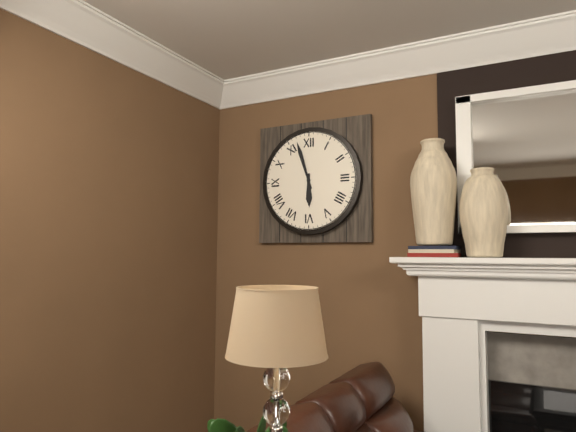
5:57
